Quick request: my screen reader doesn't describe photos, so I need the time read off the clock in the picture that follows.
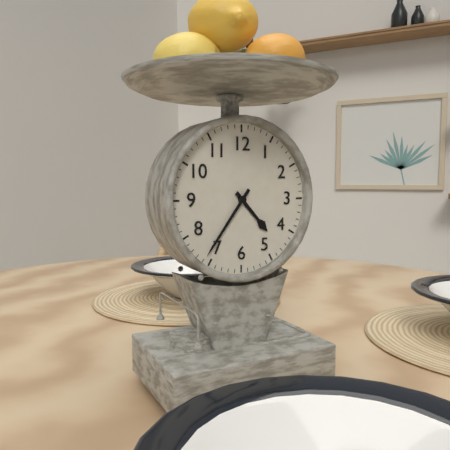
4:36
